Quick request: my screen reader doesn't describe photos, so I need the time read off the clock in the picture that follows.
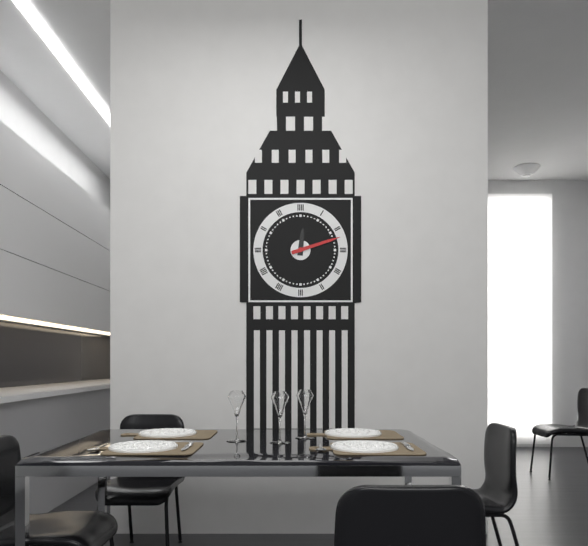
12:12
